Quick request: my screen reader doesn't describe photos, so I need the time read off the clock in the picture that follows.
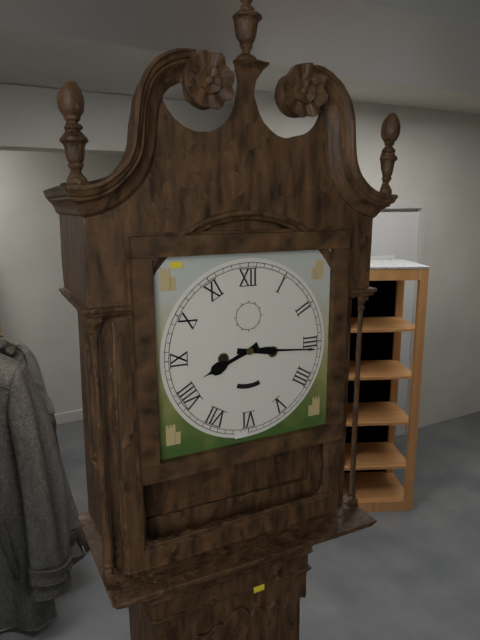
8:16
